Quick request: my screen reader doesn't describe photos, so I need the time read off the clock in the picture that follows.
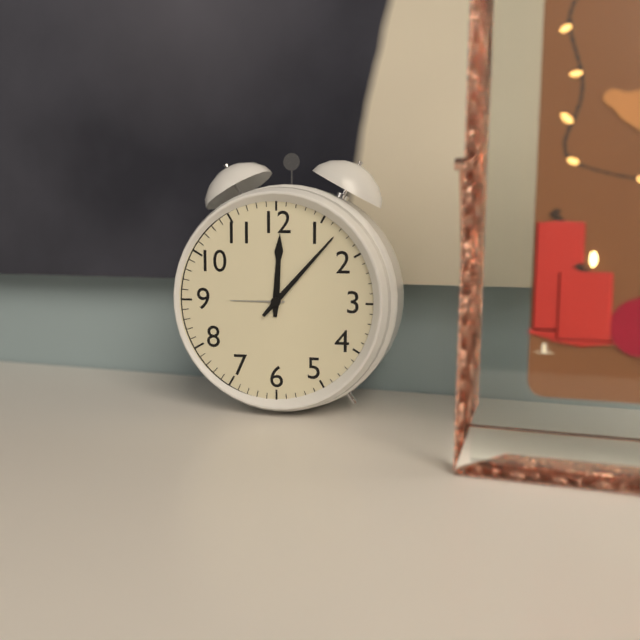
12:07
